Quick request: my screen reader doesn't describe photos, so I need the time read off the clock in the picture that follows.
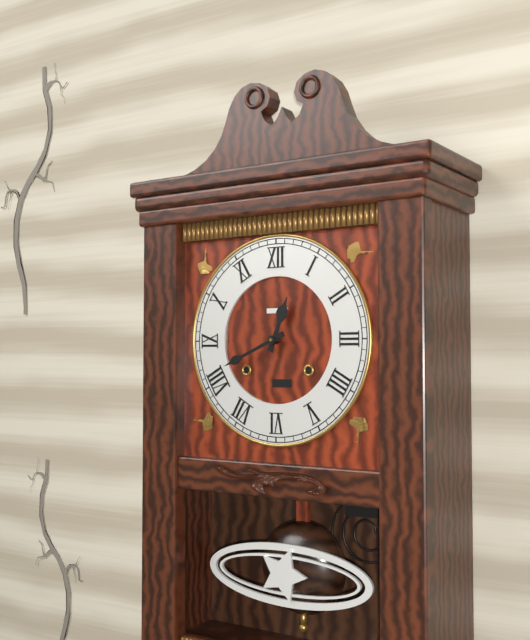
12:41
